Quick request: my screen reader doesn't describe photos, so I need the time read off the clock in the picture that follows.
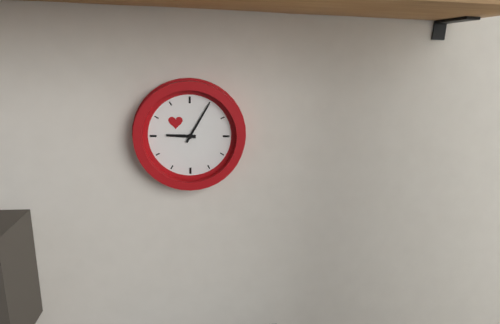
9:05
